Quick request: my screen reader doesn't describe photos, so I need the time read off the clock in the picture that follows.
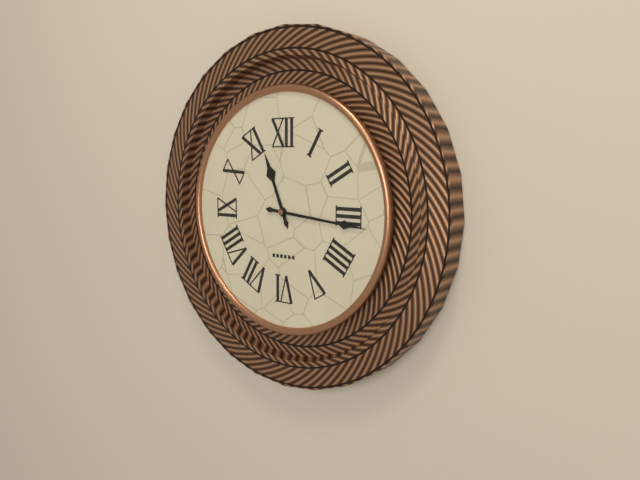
11:16
